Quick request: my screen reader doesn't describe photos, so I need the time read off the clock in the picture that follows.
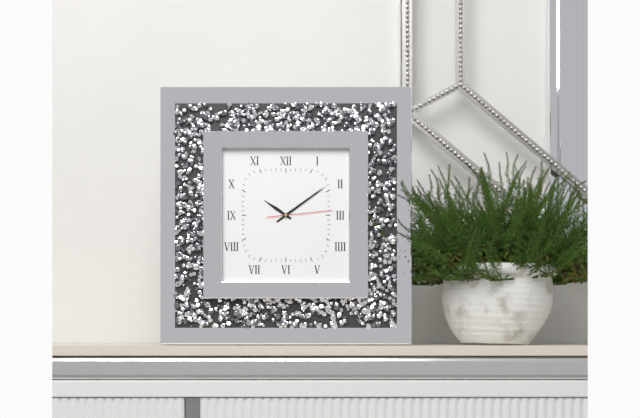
10:09:14
